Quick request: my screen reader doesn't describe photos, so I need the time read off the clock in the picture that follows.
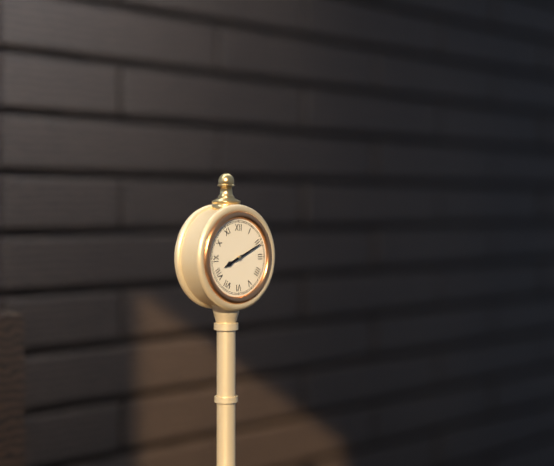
8:11
